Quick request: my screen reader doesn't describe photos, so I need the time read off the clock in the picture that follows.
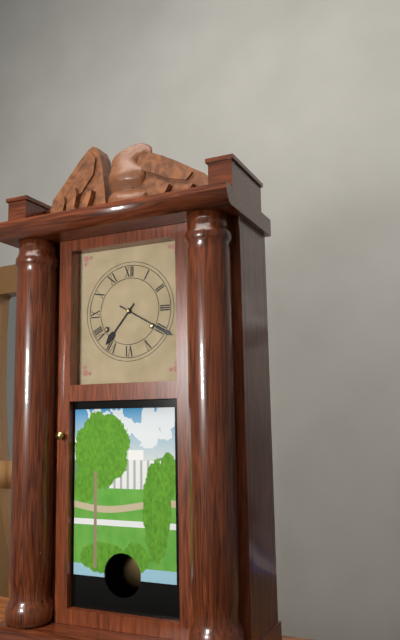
7:20
